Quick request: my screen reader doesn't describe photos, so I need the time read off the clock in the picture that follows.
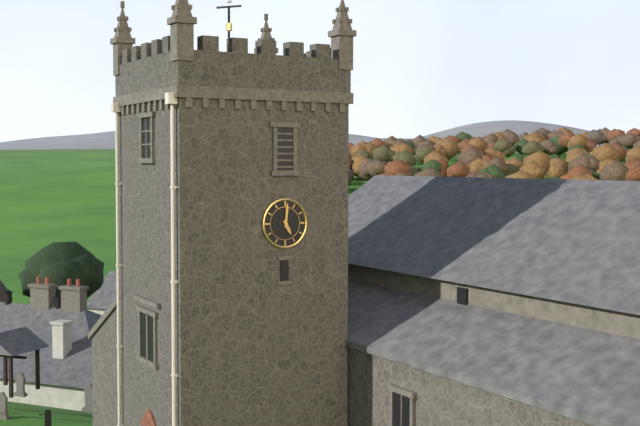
5:01
